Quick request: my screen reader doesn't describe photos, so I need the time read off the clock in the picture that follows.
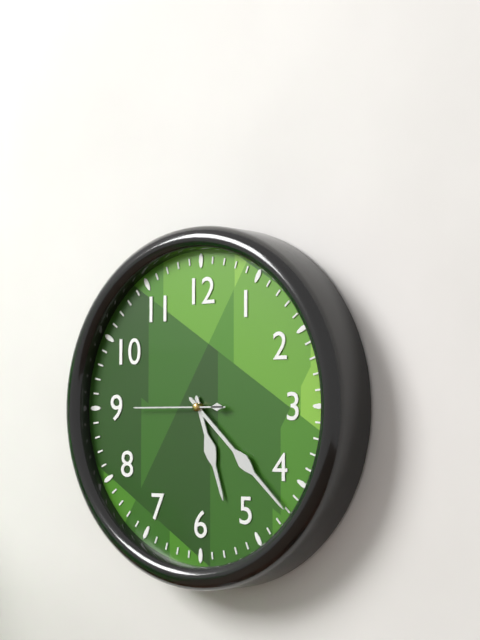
5:22:45
